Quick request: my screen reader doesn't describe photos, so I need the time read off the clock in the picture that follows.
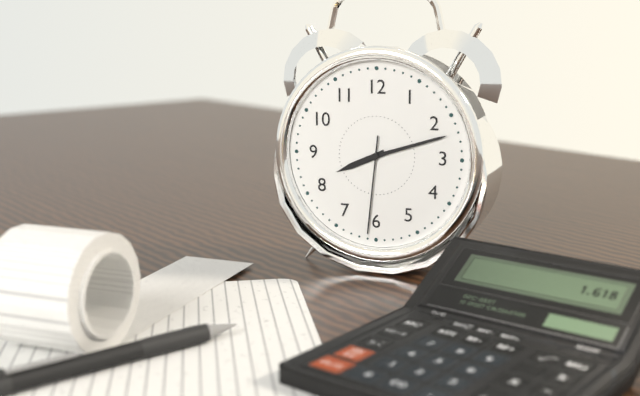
8:12:31
